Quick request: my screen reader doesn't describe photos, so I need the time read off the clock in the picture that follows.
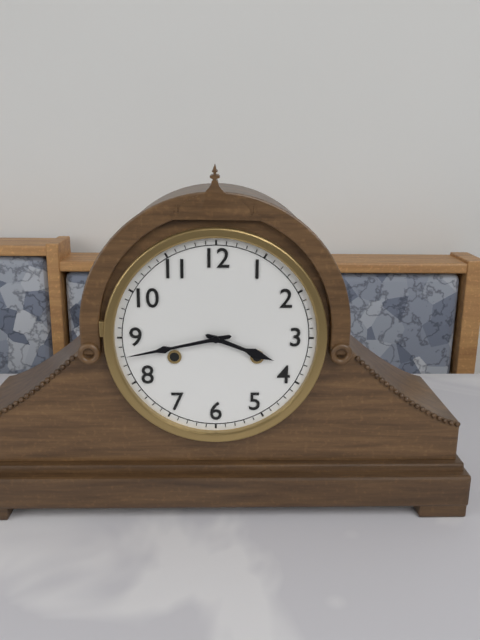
3:43
